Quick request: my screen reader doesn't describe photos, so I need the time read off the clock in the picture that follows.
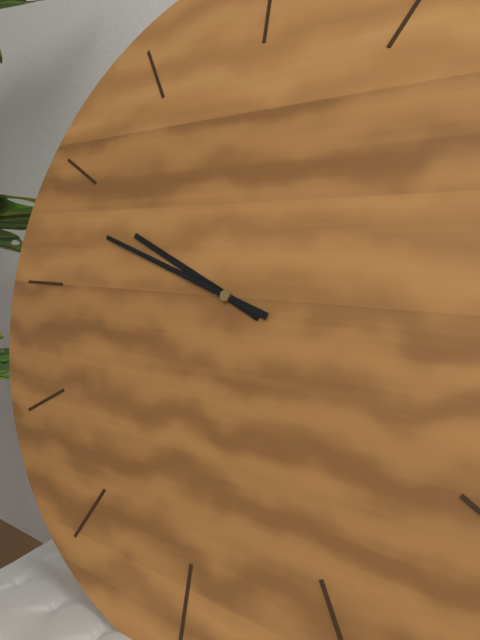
9:48
